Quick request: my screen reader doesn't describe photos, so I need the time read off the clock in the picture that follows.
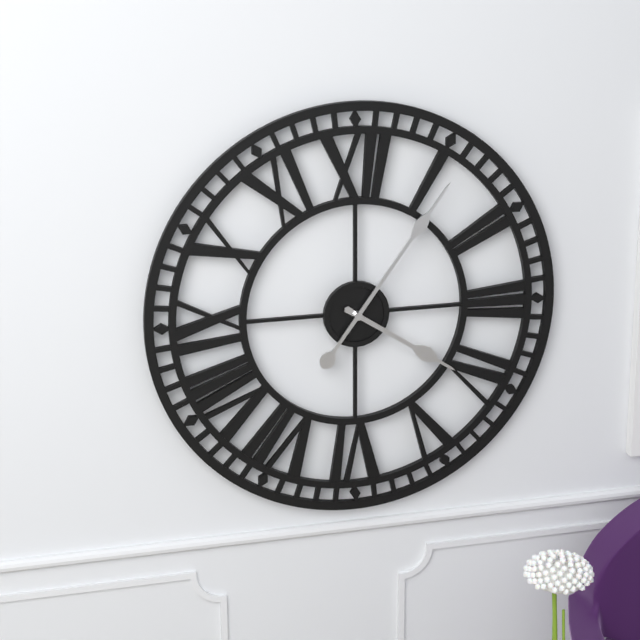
4:06
